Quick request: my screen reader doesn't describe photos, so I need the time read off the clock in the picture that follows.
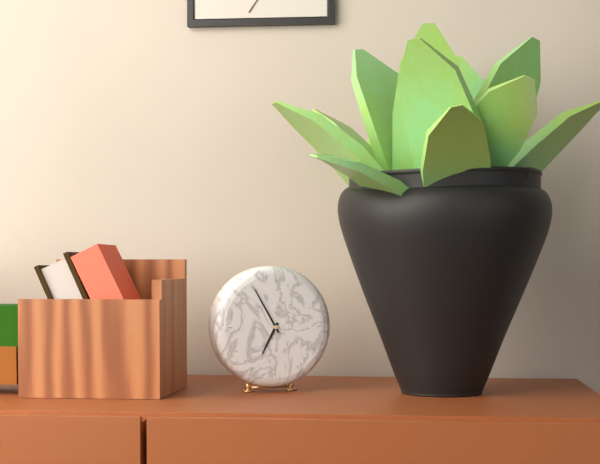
6:55
